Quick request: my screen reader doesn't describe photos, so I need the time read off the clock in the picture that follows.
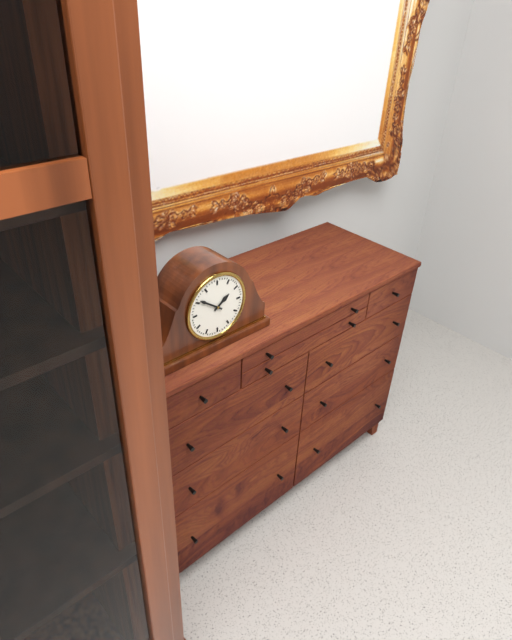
1:51
